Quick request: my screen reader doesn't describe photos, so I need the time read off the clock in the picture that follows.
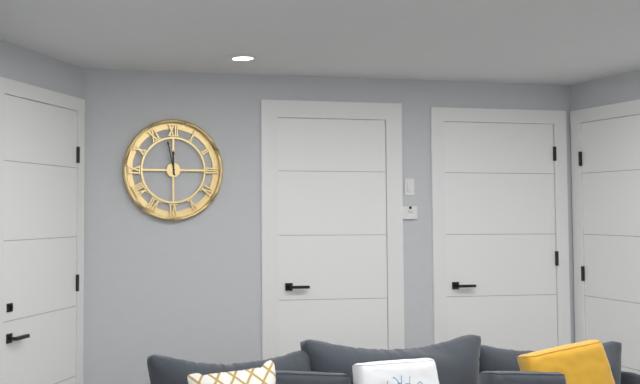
11:58
